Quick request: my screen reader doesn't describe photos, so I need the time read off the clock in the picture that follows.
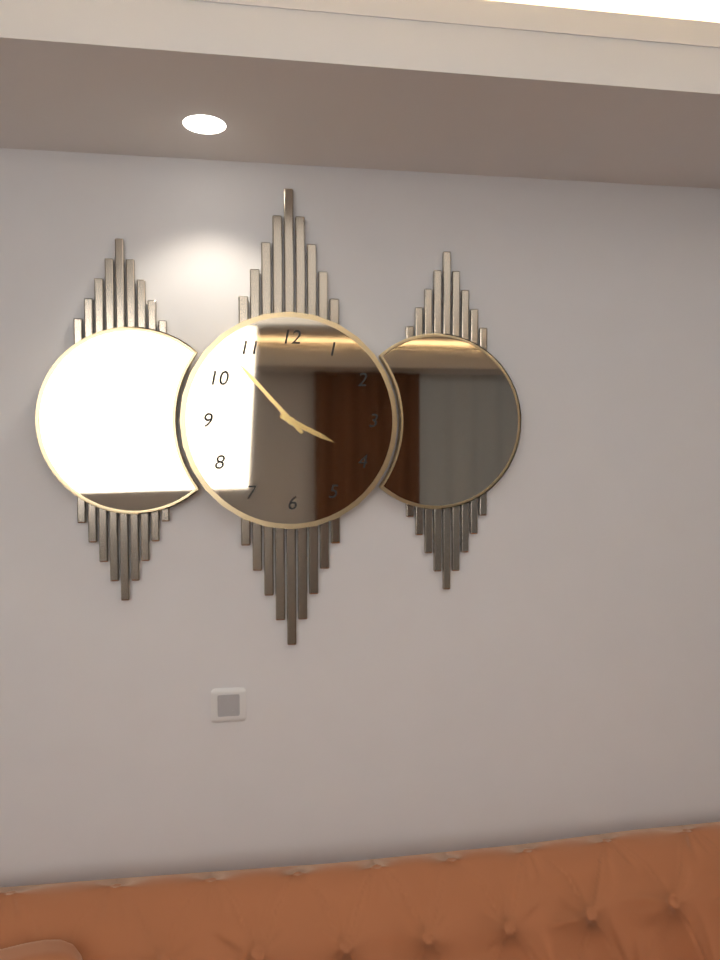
3:53
